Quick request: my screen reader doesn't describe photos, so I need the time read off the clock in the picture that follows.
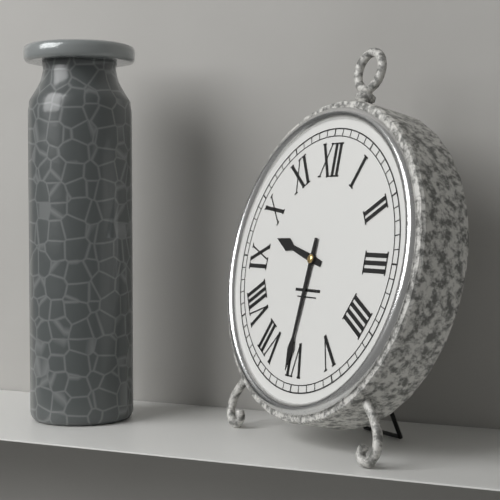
9:31
